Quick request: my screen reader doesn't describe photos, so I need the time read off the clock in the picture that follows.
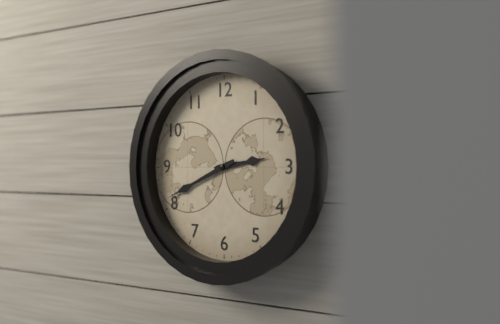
2:41
